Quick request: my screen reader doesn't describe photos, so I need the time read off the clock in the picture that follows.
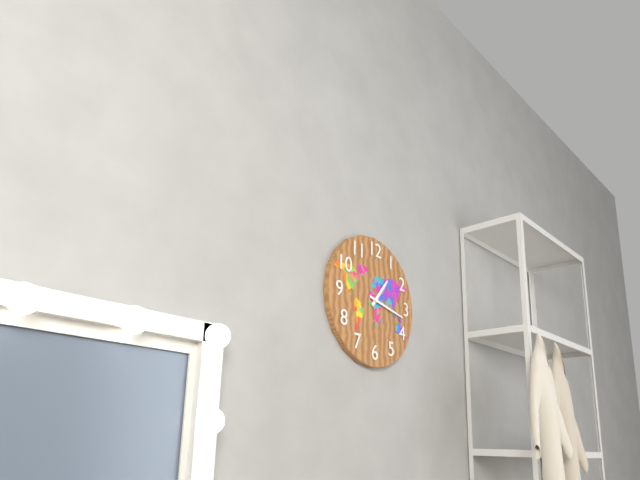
1:17
